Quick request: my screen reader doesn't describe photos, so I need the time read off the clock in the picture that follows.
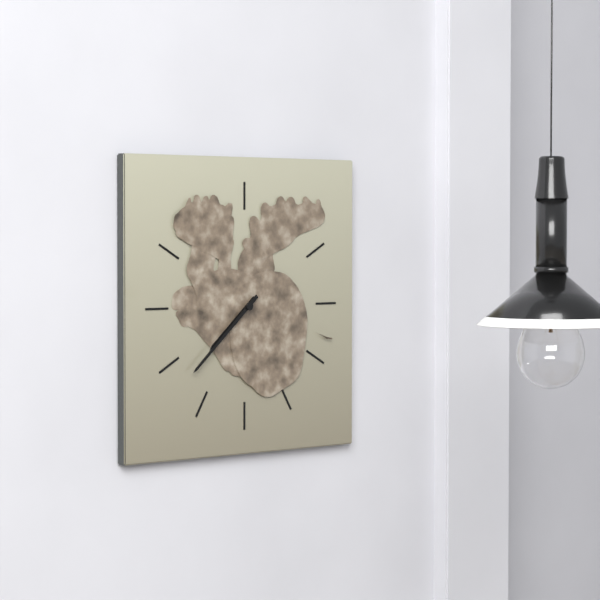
7:38
